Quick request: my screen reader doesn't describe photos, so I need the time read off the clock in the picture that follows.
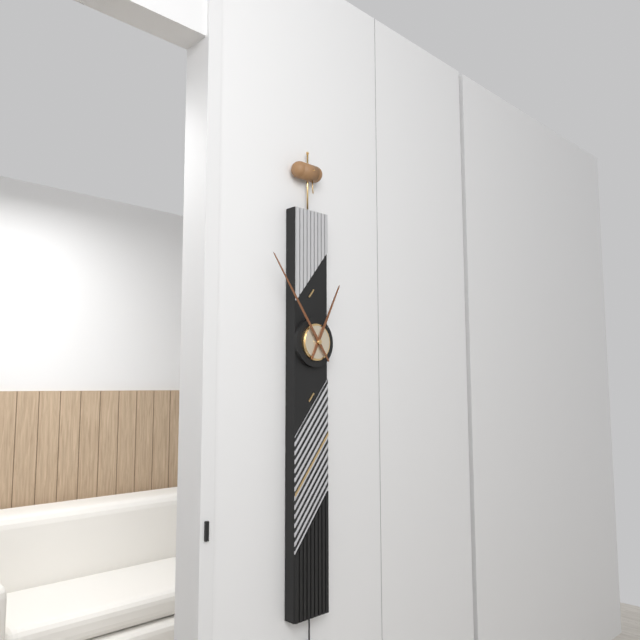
12:54
